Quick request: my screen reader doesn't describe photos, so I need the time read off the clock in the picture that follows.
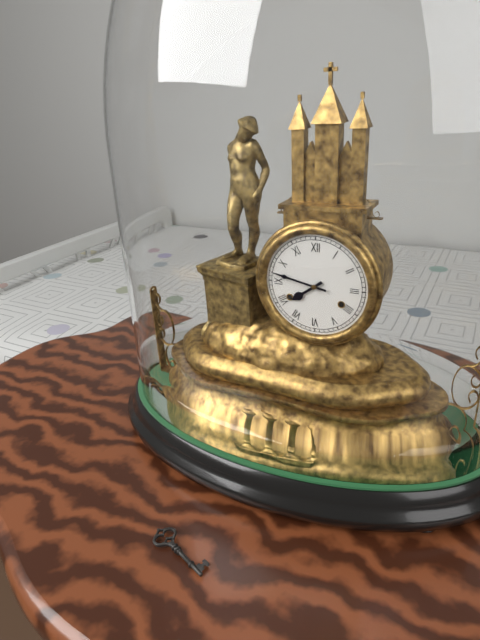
7:47
